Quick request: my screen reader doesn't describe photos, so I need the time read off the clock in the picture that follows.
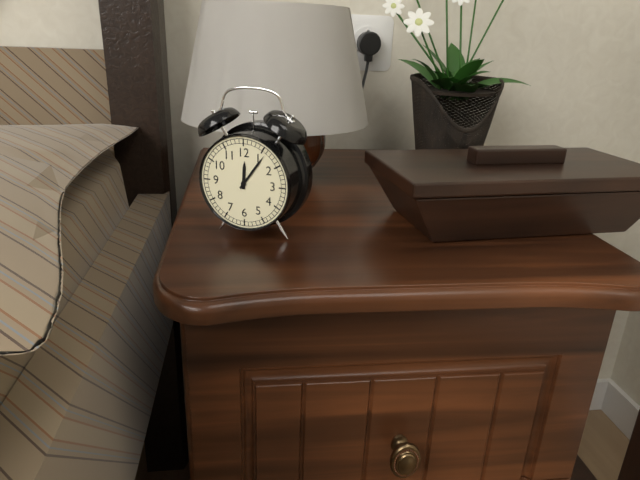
12:06
